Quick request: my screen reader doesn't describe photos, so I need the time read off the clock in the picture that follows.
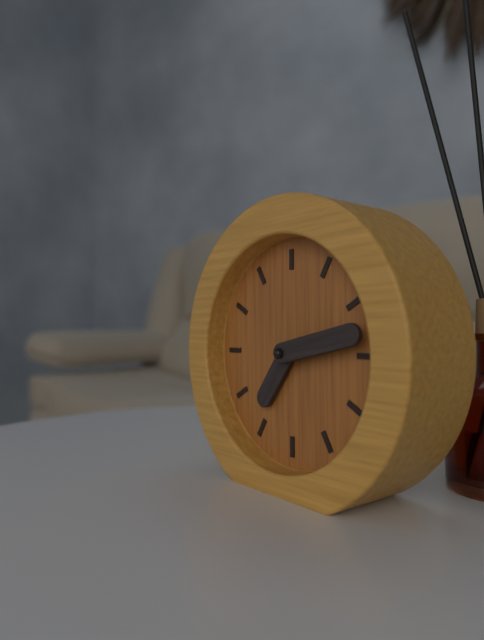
7:13
